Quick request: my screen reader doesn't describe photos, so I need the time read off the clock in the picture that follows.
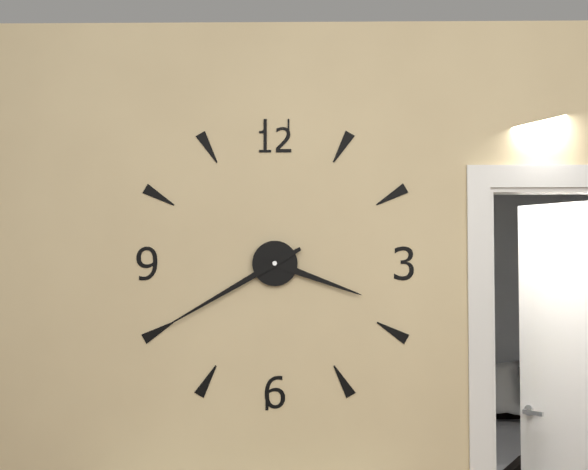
3:40
